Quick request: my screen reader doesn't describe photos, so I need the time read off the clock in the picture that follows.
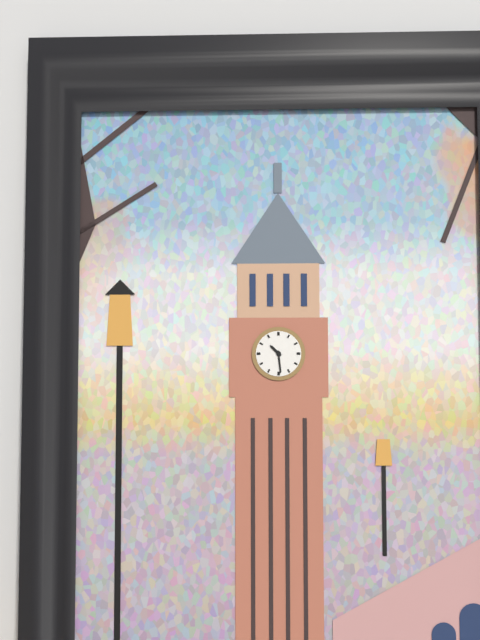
10:29
